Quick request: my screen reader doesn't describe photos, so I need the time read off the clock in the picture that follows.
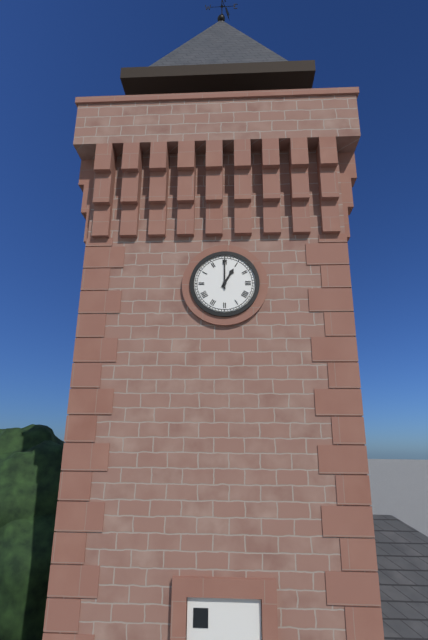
1:00
